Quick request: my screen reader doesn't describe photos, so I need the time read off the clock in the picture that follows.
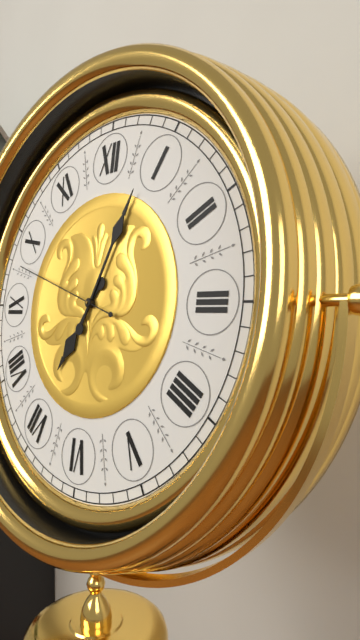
7:04:48
